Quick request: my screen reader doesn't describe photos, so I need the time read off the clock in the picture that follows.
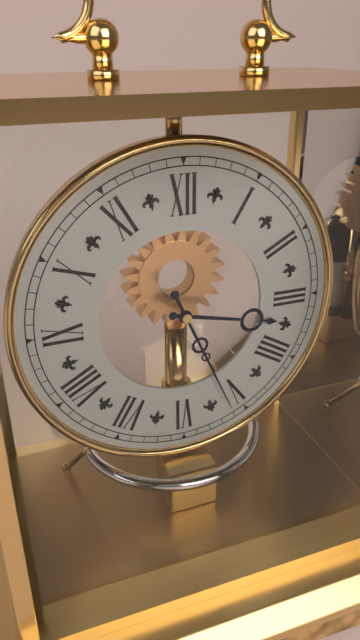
3:26
